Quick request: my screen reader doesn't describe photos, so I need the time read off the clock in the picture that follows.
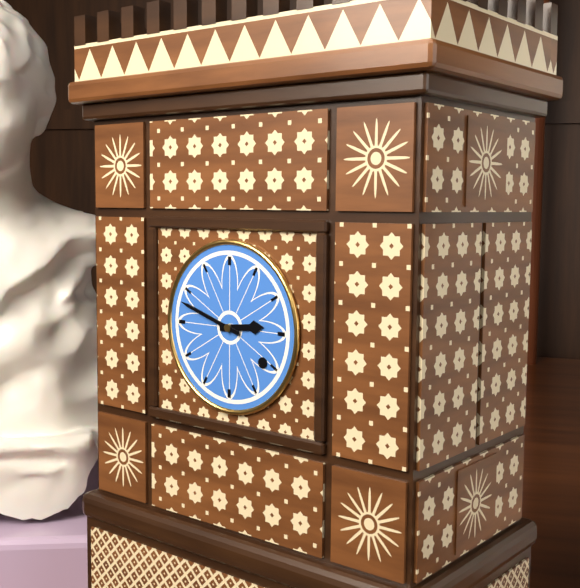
2:48
